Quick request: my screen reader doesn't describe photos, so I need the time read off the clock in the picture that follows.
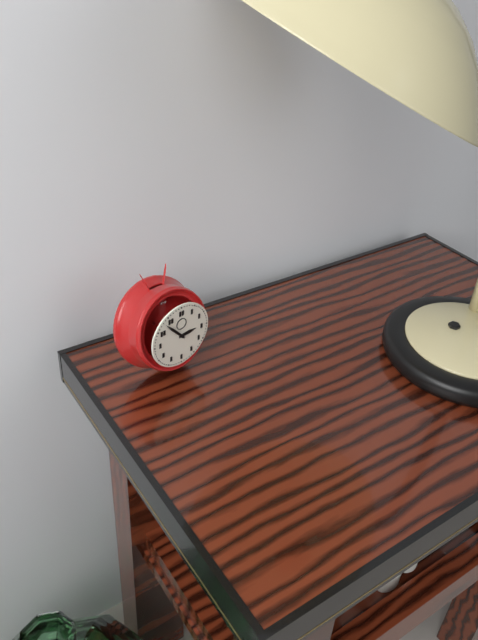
2:53
